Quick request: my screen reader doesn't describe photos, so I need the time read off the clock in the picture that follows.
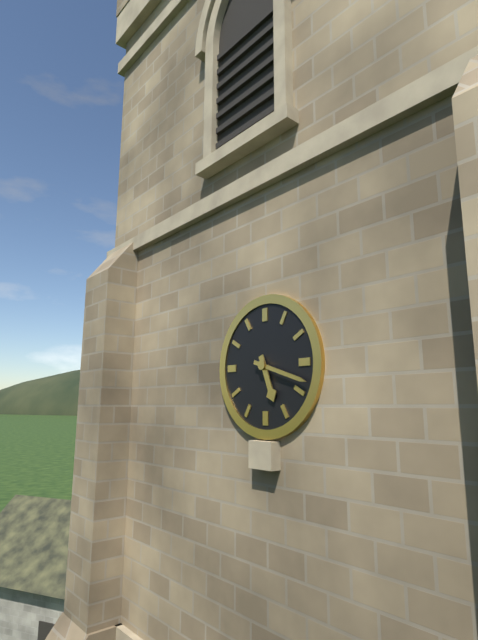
5:18
